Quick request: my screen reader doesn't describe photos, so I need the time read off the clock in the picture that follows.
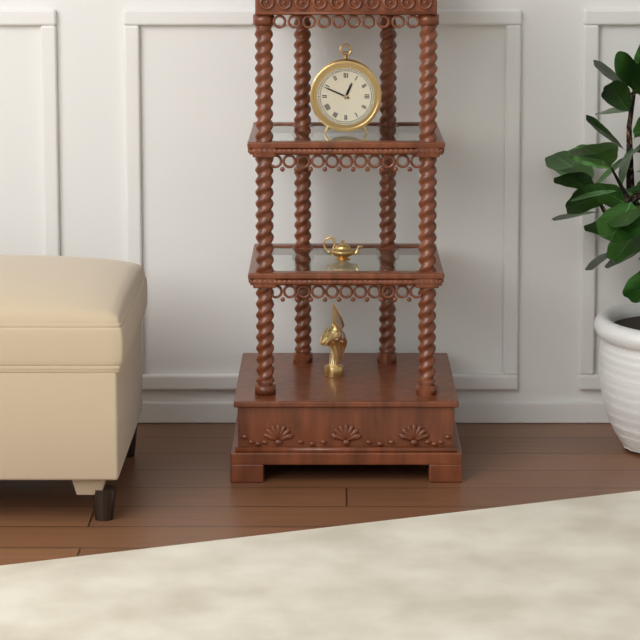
12:49
